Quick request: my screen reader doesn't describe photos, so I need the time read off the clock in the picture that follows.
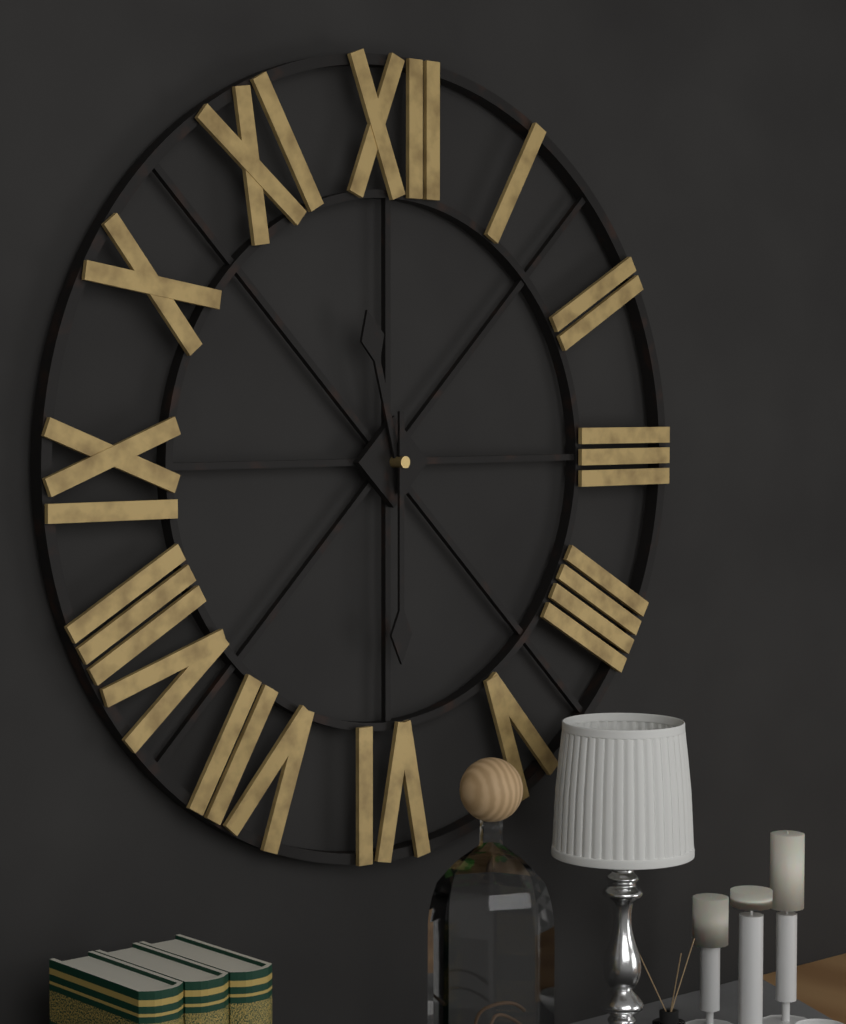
11:30
